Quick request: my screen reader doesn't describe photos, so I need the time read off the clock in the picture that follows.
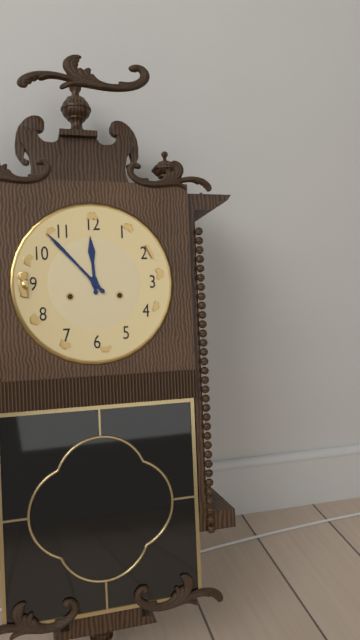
11:53
